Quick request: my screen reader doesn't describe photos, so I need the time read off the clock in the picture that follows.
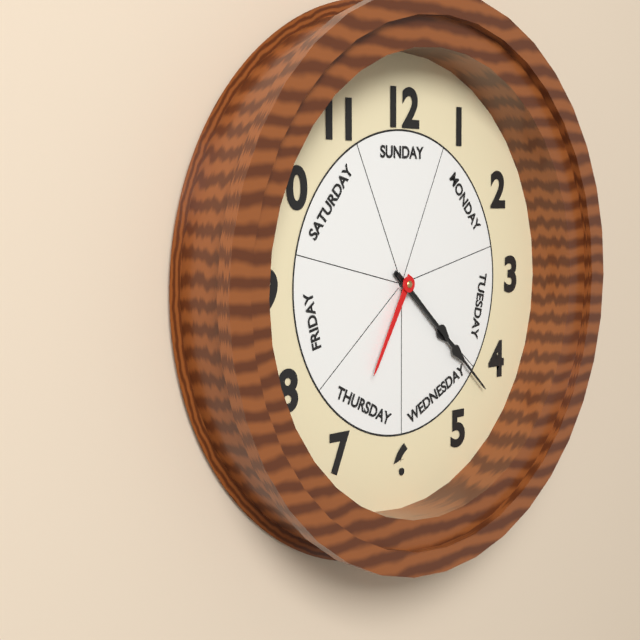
4:22:35
